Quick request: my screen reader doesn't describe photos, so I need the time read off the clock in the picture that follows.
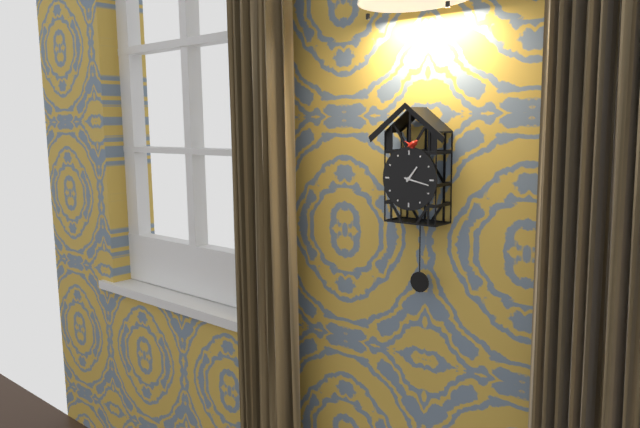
1:17
